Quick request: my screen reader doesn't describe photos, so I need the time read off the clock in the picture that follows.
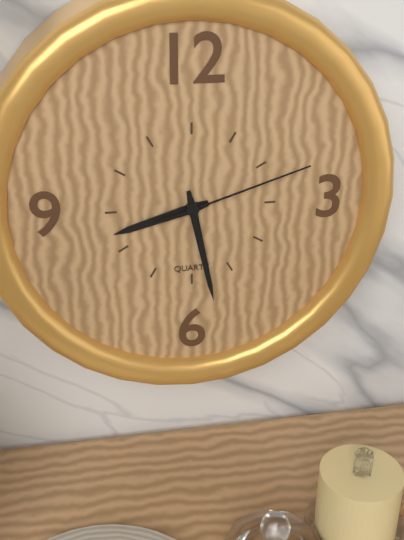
8:28:12
